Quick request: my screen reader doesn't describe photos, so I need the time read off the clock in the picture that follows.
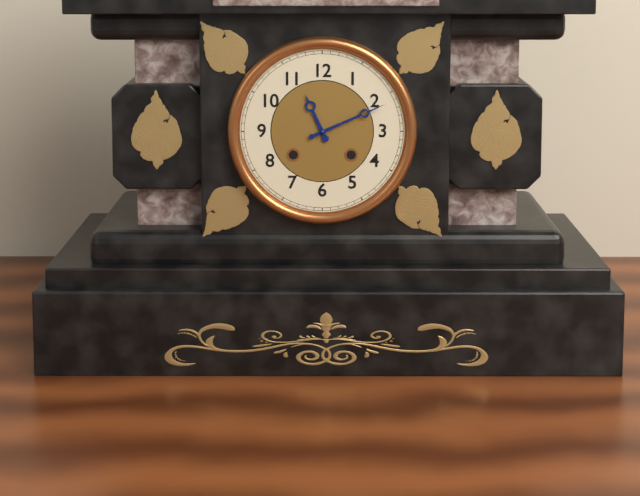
11:11
